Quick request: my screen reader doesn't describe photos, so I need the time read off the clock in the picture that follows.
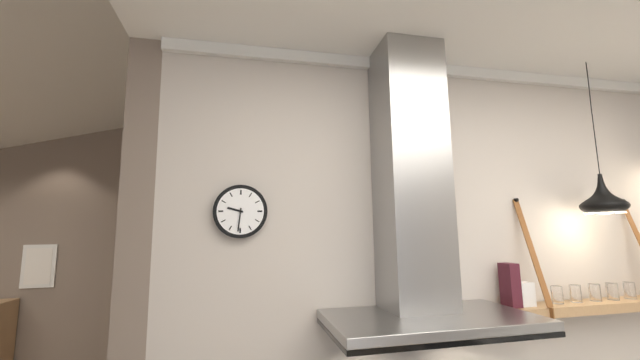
9:31
